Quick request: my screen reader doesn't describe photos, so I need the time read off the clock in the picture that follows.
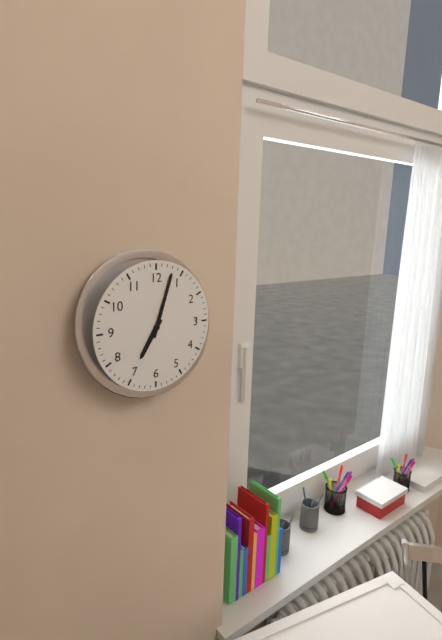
7:03
